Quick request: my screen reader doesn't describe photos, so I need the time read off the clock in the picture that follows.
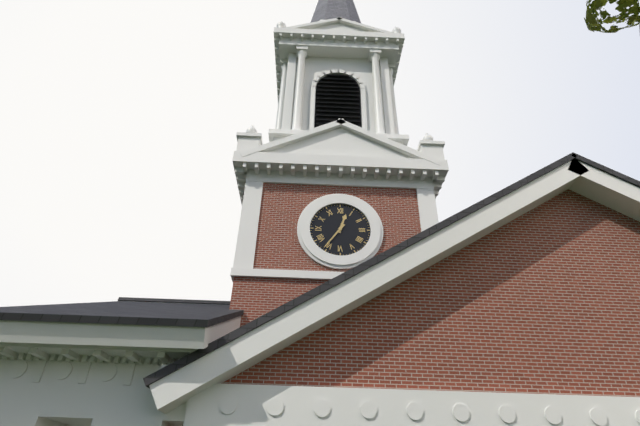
12:36
